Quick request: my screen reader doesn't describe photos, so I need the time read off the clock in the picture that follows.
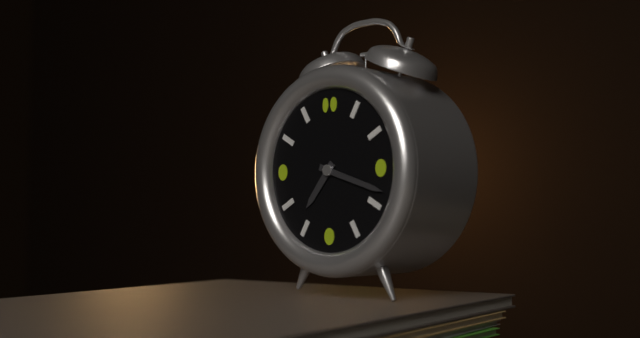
7:18
